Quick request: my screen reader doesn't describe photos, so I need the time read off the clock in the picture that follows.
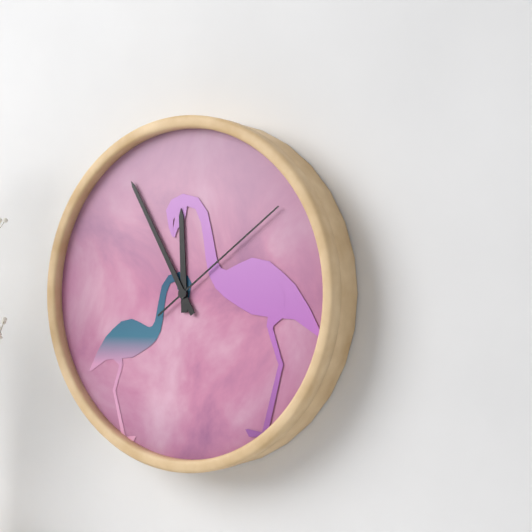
11:55:09
